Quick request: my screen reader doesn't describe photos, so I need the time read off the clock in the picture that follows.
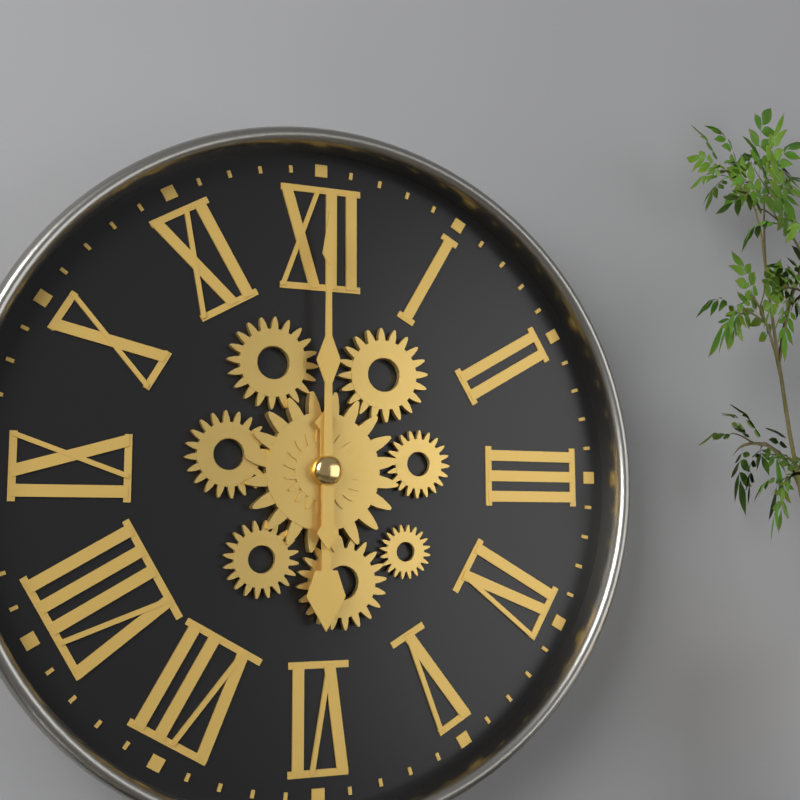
6:00
